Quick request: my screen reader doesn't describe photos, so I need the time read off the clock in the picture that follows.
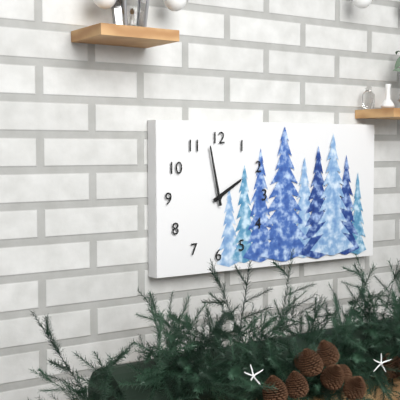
1:58
